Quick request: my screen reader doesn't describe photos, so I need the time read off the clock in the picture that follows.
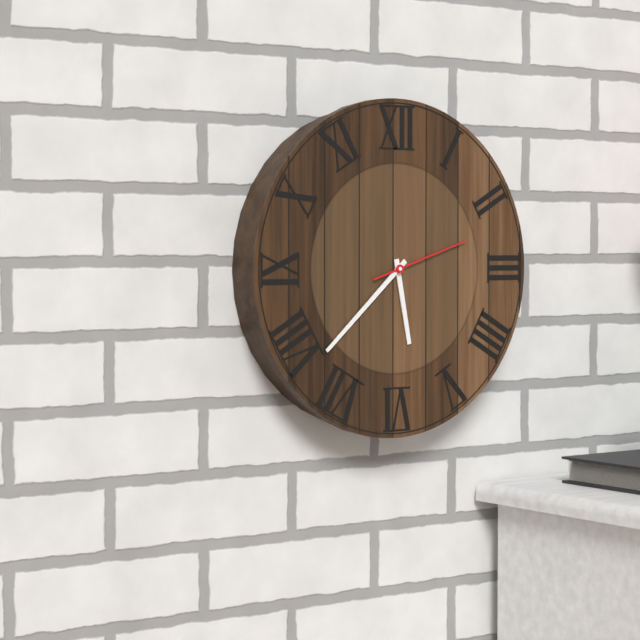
5:38:12
